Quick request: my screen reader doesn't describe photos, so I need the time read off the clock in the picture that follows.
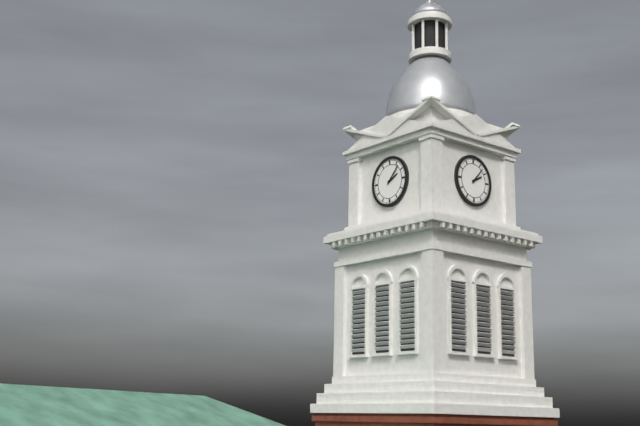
2:07
